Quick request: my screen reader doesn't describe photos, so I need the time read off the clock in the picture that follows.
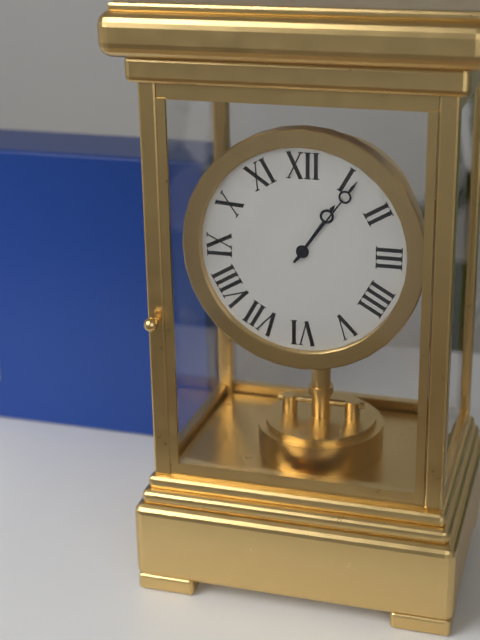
1:06
